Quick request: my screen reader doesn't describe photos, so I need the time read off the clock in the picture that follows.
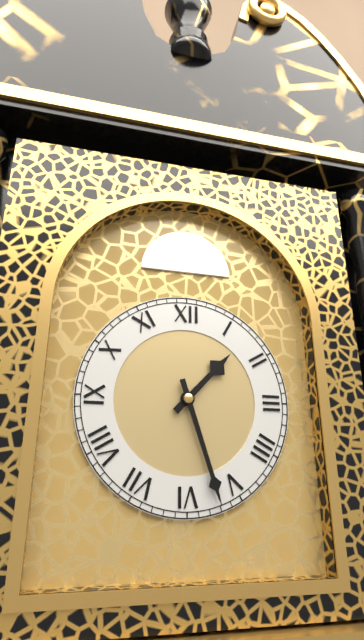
1:27
